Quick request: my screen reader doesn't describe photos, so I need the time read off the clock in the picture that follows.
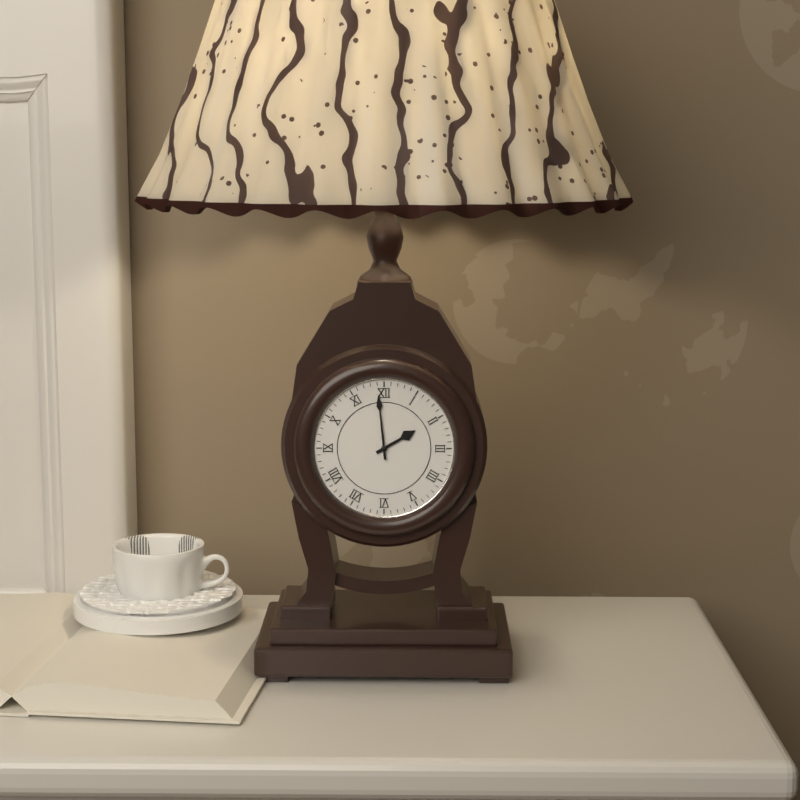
1:59
